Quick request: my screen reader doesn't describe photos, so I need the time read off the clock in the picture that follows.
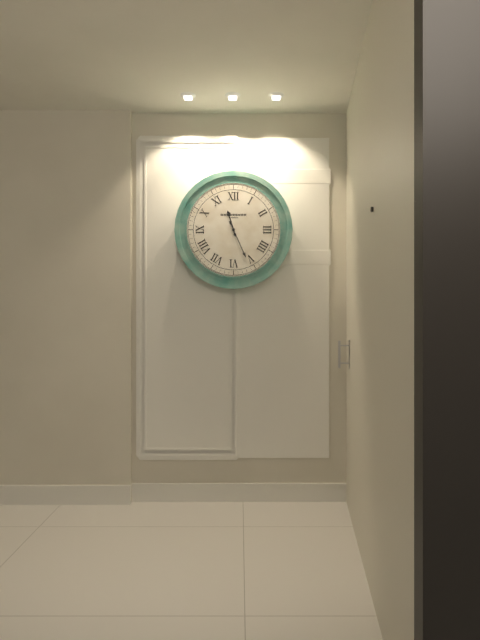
11:26
